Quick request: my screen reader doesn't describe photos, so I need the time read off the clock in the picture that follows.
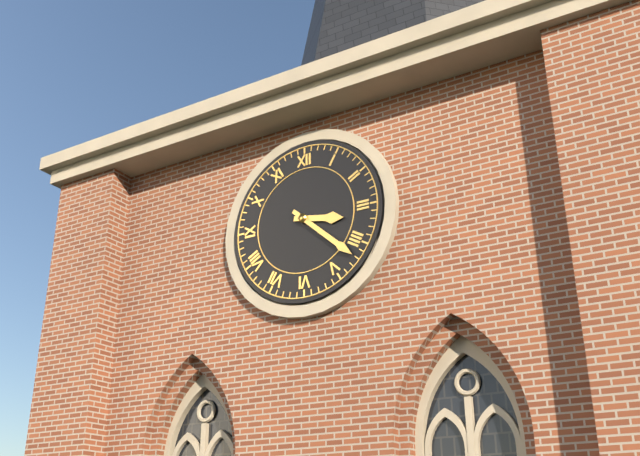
3:22
